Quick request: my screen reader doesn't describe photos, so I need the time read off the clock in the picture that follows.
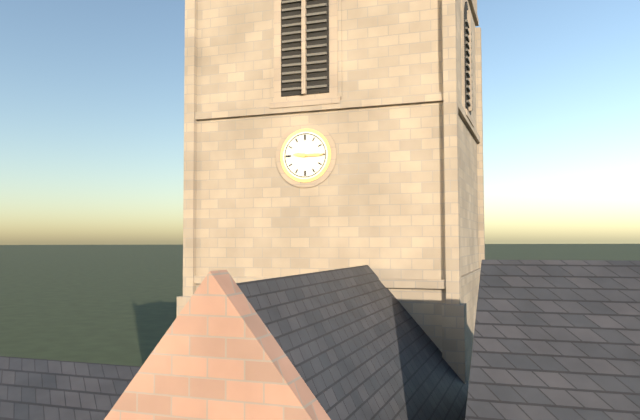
9:15
